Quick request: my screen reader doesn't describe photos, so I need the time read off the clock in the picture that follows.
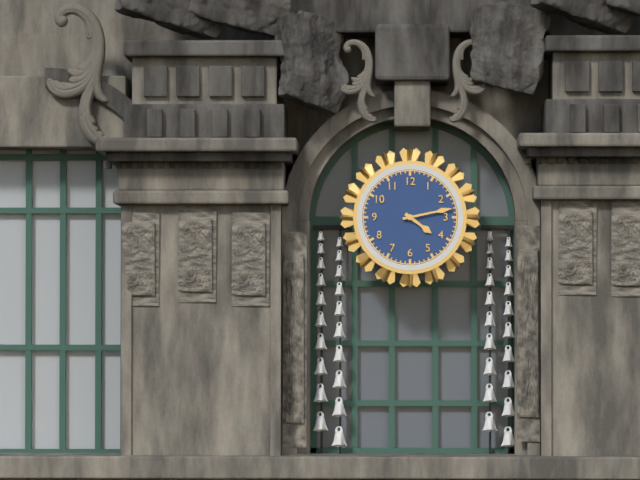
4:13
